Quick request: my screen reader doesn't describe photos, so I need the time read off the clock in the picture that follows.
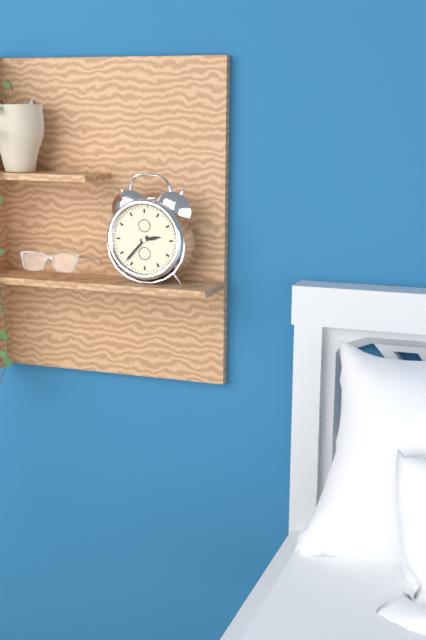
2:37
